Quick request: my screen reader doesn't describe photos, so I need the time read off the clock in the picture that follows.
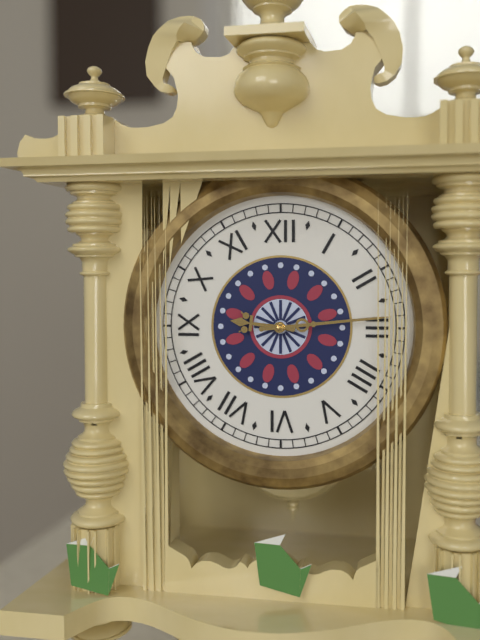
9:14
